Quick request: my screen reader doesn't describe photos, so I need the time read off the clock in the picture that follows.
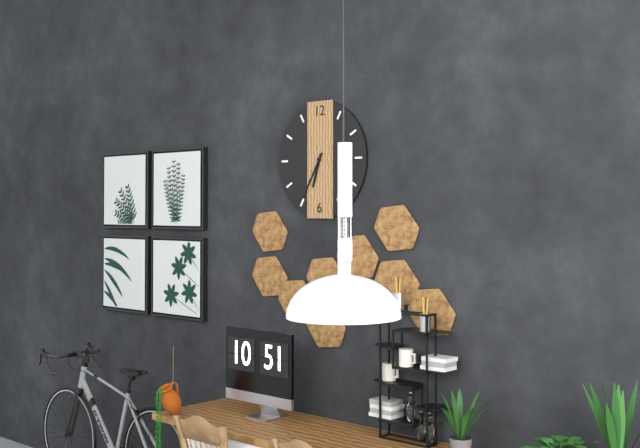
6:35
